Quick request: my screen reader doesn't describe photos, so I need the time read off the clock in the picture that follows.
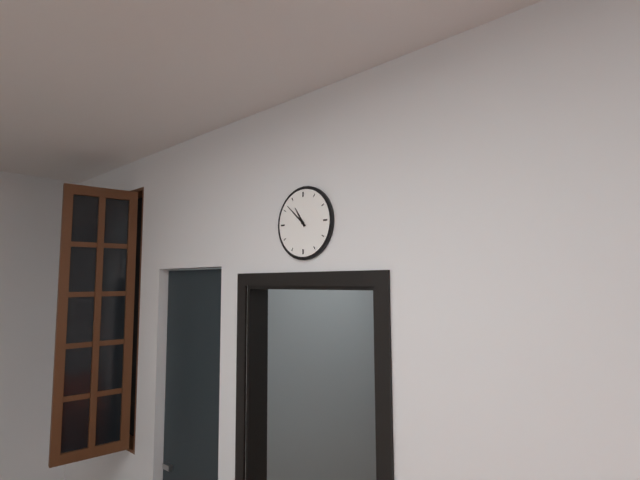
10:52
